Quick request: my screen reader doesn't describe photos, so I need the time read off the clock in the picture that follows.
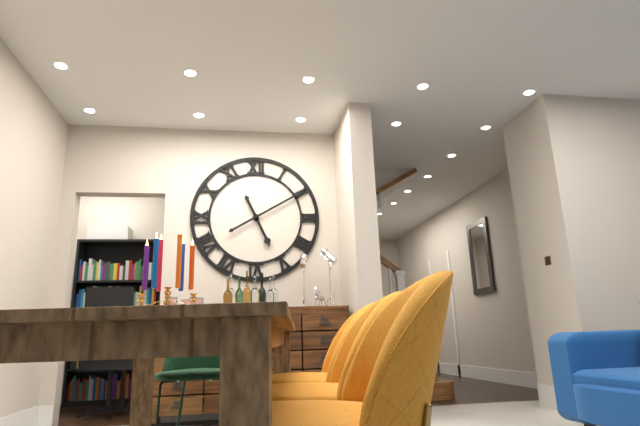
5:10
